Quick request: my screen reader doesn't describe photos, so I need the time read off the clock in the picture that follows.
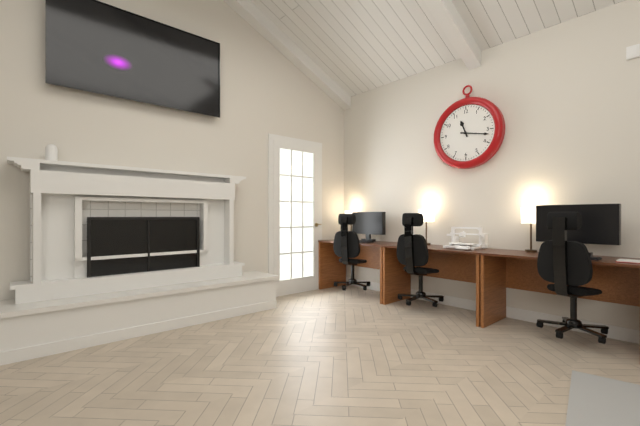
11:17
